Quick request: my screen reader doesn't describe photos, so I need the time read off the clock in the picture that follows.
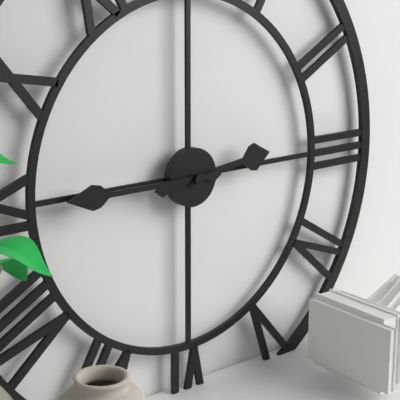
2:45
